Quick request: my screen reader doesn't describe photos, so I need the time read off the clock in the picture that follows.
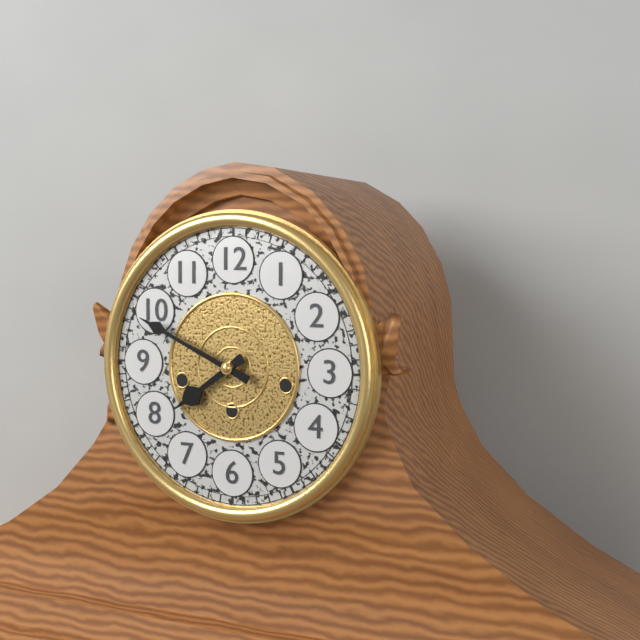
7:49
